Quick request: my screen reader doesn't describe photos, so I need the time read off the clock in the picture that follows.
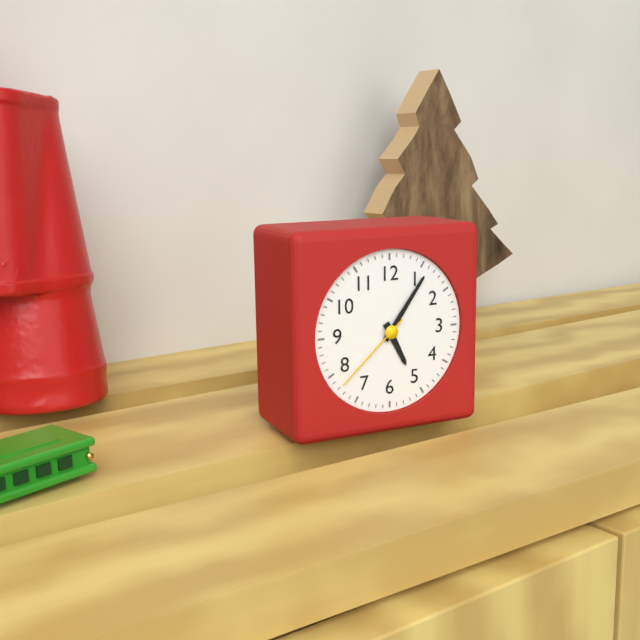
5:06:38
